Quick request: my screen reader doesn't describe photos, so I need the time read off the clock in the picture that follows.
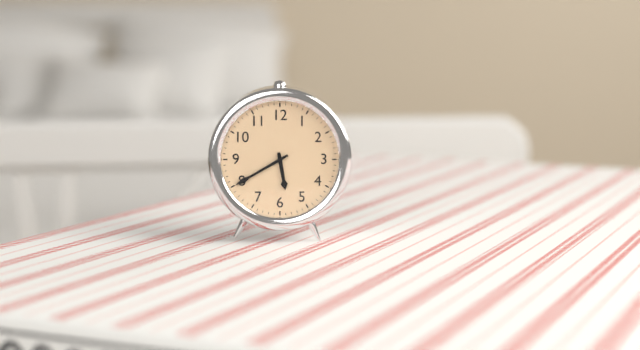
5:40
